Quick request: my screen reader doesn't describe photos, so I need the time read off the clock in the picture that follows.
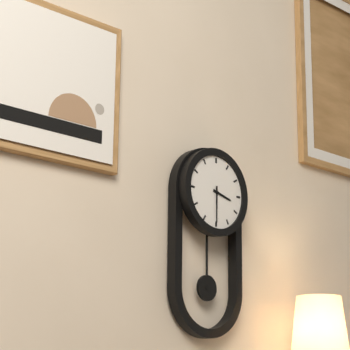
3:30
